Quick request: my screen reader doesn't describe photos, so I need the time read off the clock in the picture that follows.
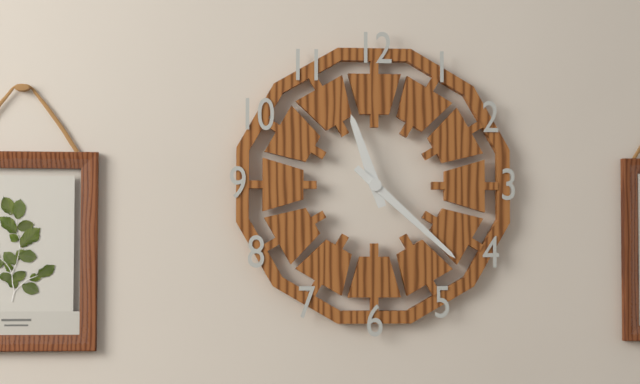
11:22
